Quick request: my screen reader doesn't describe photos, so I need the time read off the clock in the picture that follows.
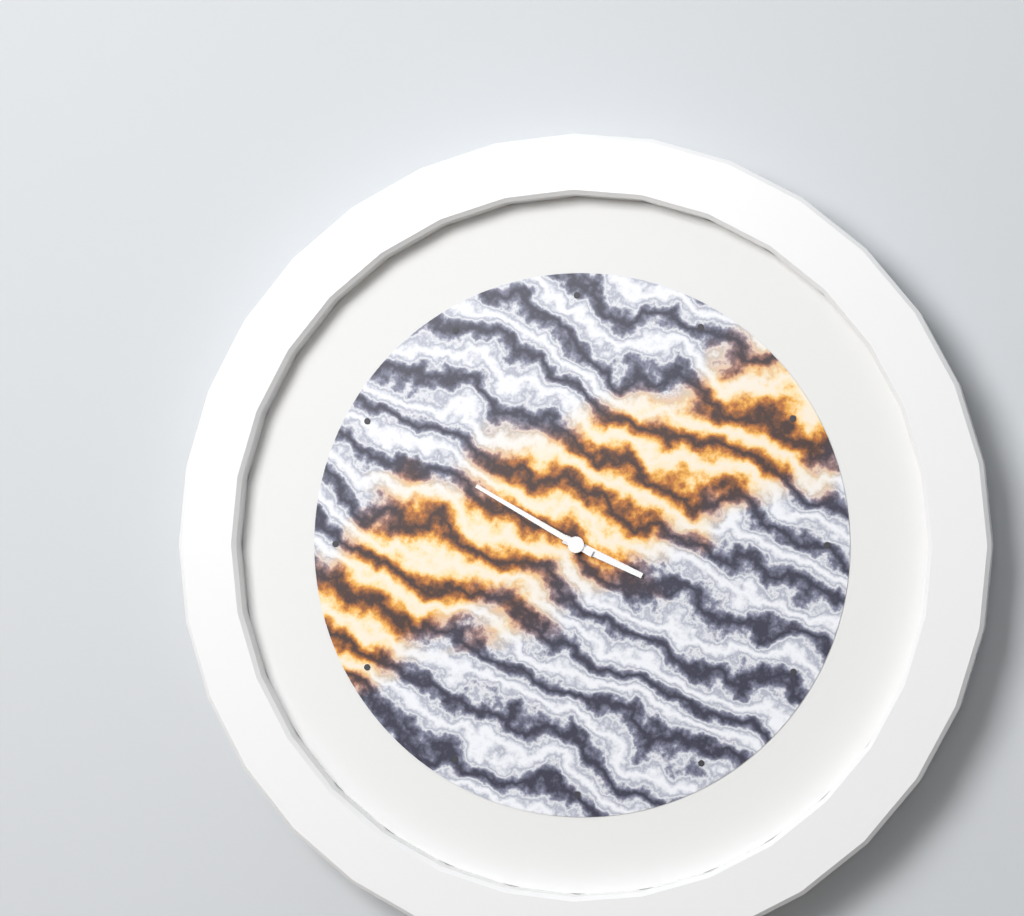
3:50
